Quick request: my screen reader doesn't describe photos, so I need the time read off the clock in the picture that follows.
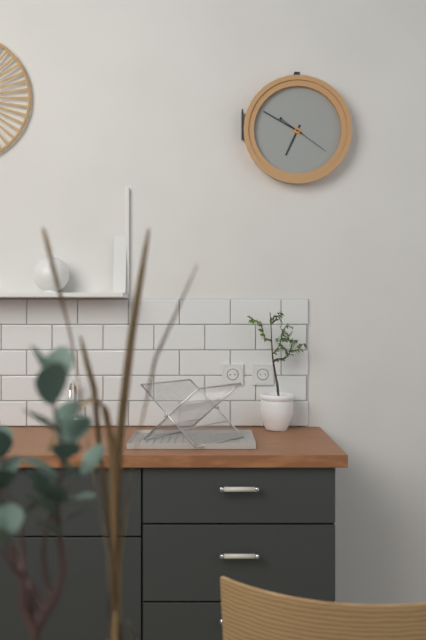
6:50
